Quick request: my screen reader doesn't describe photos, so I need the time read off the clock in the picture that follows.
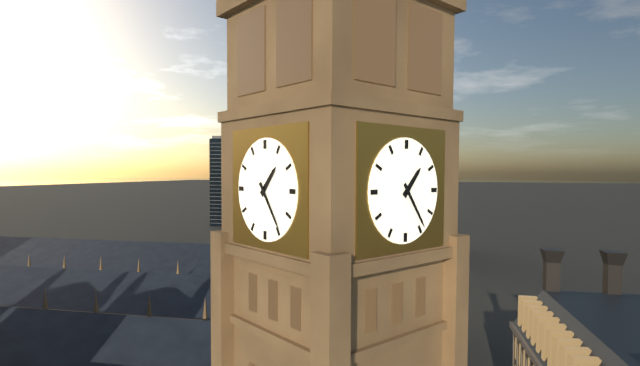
1:24
